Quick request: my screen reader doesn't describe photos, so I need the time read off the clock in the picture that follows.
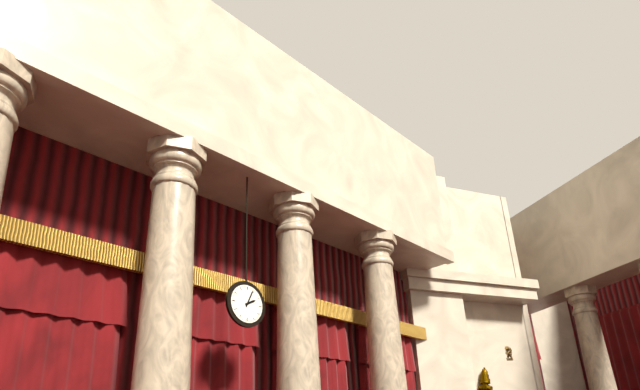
2:04
